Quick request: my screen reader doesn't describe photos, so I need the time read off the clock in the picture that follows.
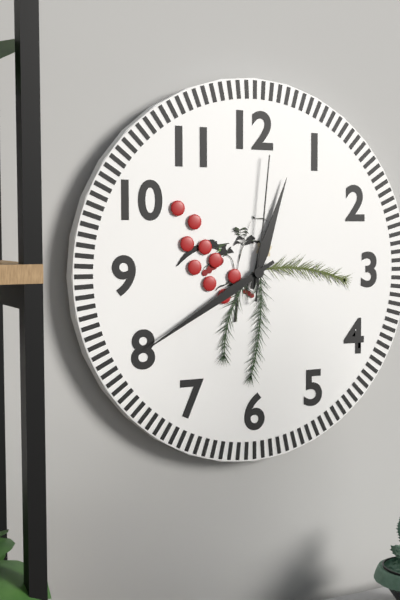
12:40:01
